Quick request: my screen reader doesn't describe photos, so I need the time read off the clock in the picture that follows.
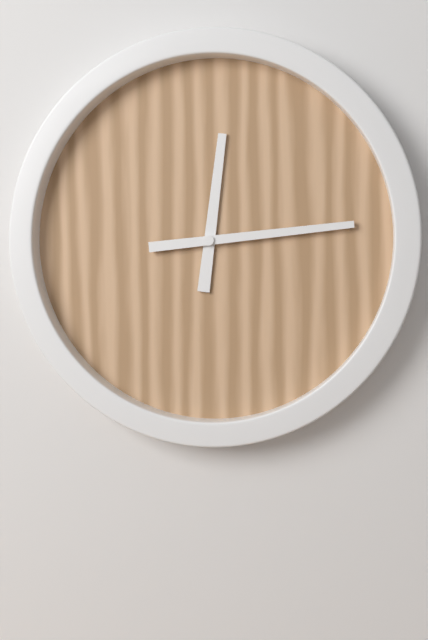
12:14
